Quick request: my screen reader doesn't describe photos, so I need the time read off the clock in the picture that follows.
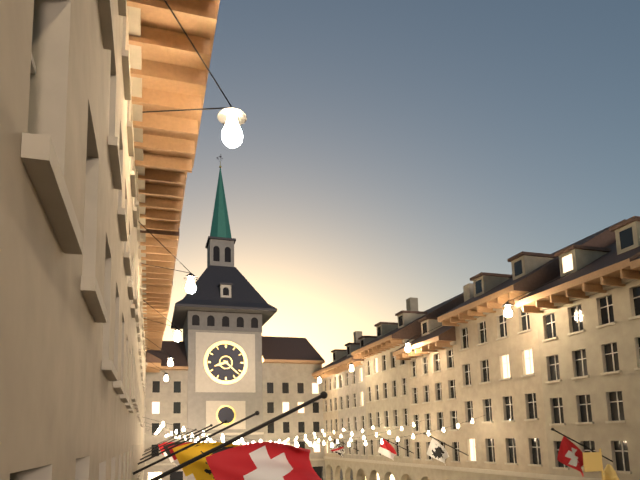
8:22
